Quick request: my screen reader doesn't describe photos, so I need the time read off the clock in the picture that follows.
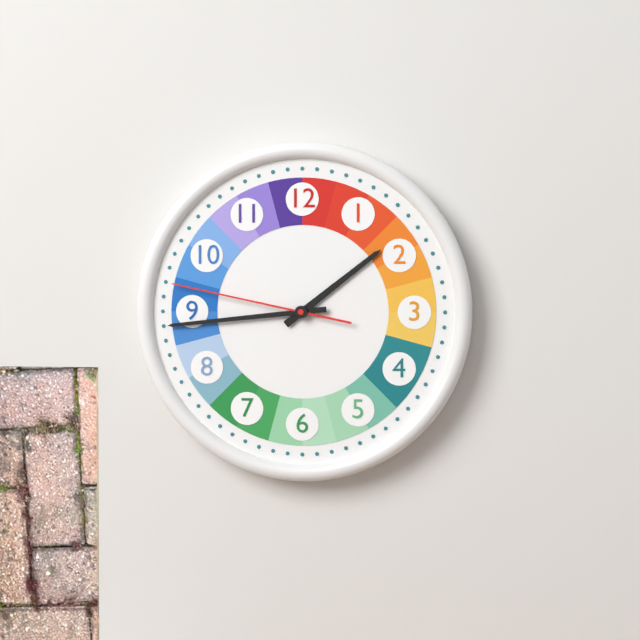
1:44:47
